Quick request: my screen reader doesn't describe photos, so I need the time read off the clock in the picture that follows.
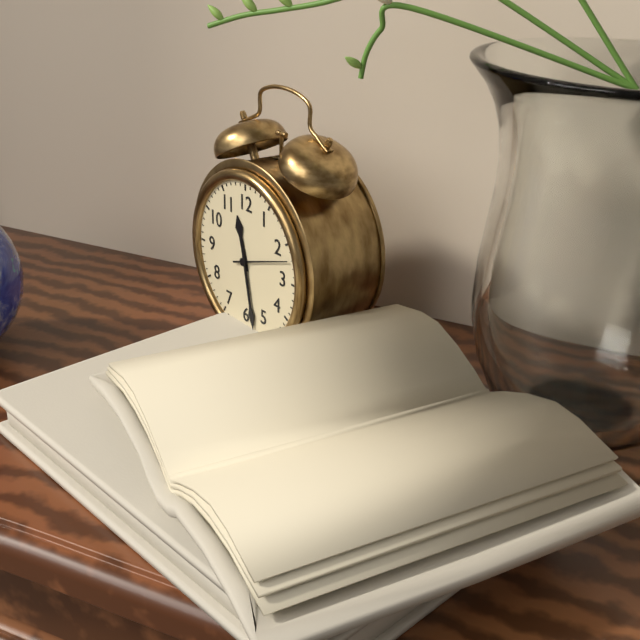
11:28:12
